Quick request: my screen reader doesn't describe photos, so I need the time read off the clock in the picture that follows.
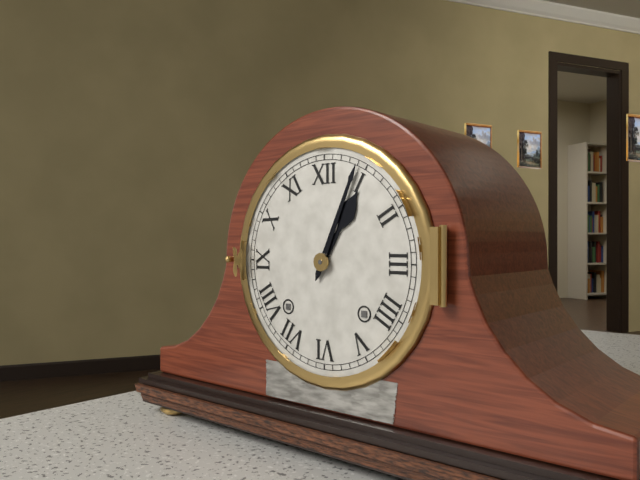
1:04
